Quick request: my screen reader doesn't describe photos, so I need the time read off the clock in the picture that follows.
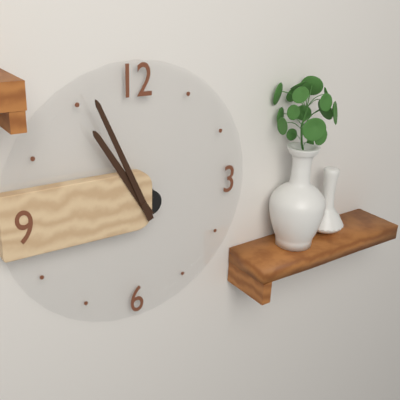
10:56
